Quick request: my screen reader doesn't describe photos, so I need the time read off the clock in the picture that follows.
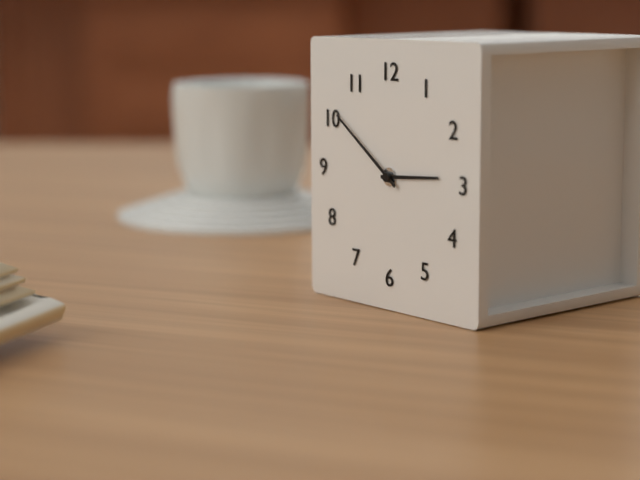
2:51
